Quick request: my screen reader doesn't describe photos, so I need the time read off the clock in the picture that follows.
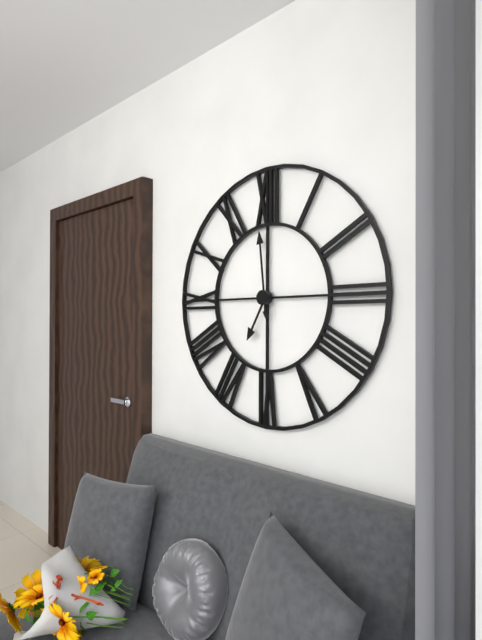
6:59
